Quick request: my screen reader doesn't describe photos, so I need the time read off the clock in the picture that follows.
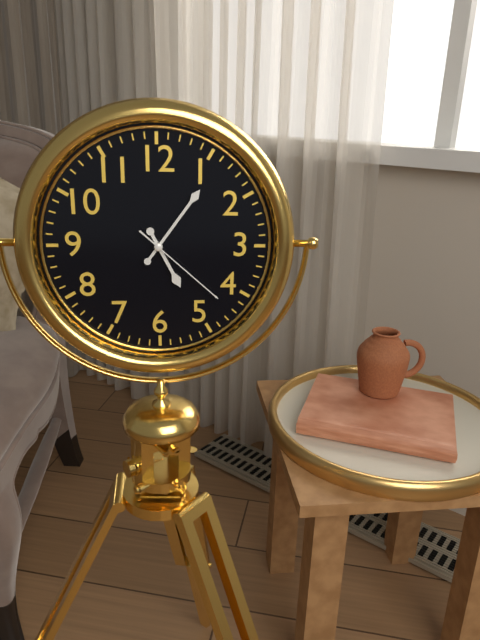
5:06:22
